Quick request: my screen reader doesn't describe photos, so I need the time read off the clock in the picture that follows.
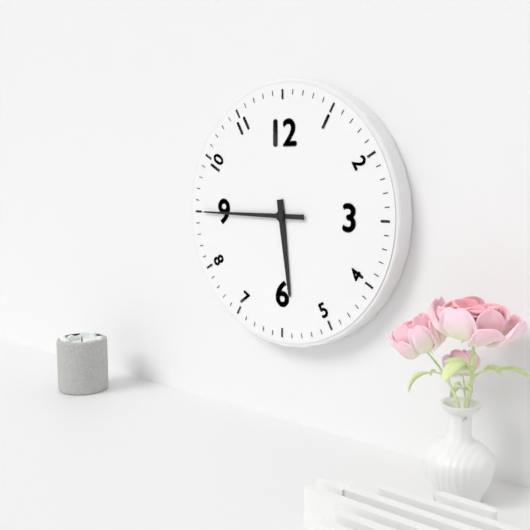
5:45
